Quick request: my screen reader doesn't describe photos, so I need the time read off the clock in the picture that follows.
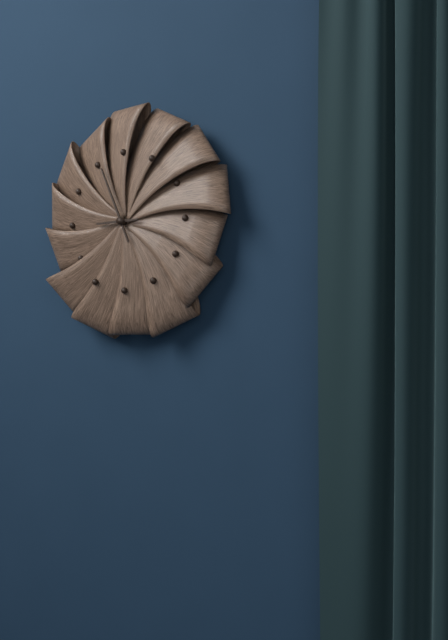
8:56
